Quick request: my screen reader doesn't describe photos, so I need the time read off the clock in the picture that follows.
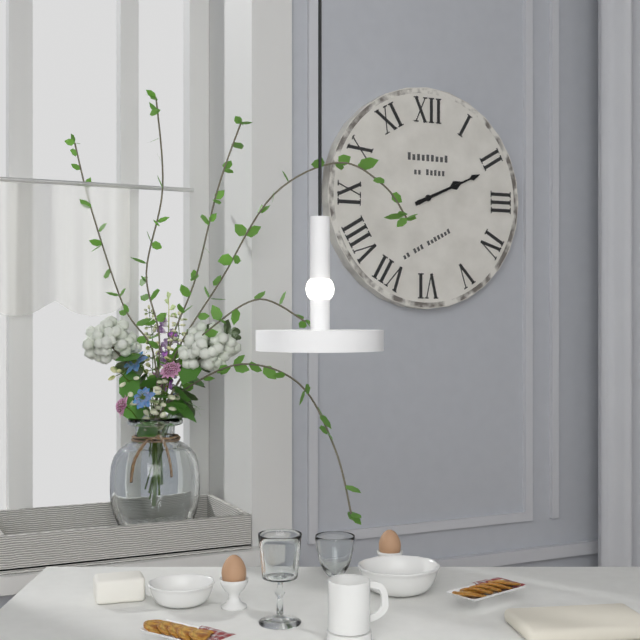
2:11
